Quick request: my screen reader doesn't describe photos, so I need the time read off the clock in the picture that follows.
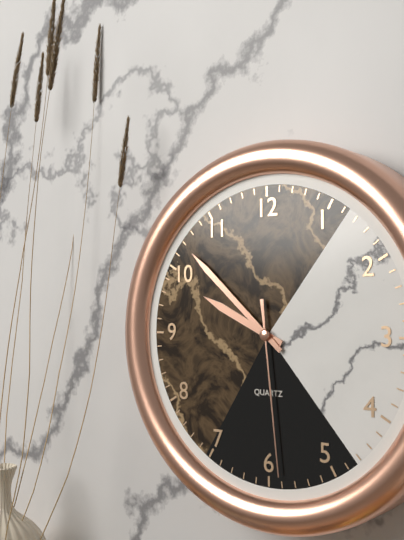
9:52:29
